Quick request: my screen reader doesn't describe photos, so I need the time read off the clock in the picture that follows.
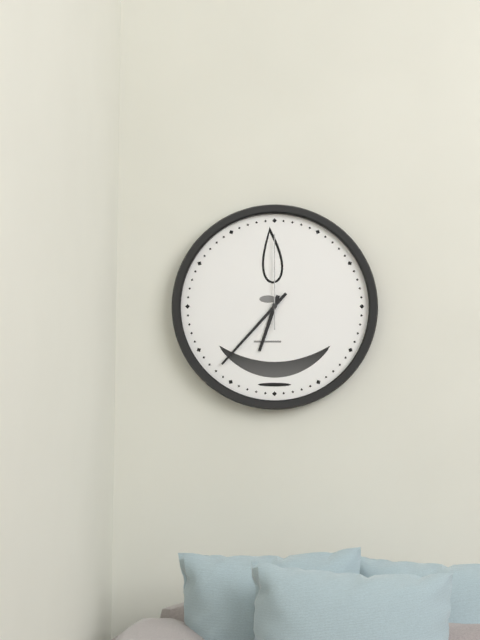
6:37:00
